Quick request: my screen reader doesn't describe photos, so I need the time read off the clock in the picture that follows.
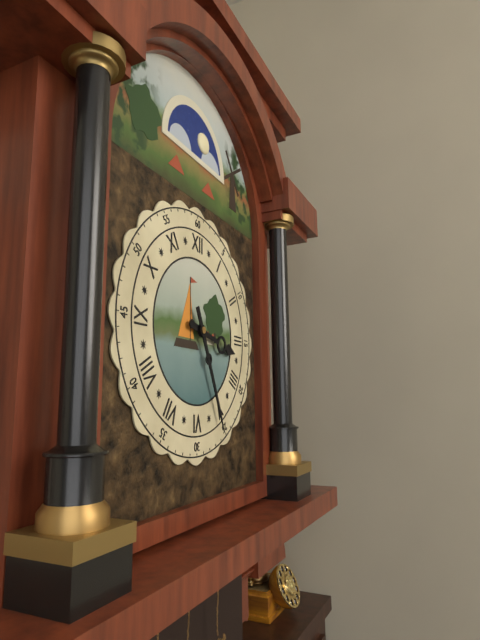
3:26
